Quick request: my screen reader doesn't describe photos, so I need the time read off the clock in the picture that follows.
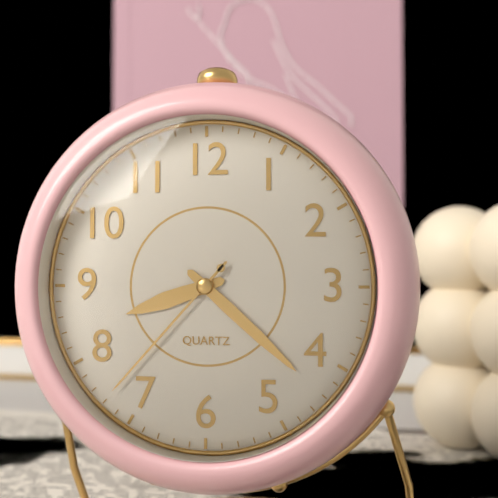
8:22:37
